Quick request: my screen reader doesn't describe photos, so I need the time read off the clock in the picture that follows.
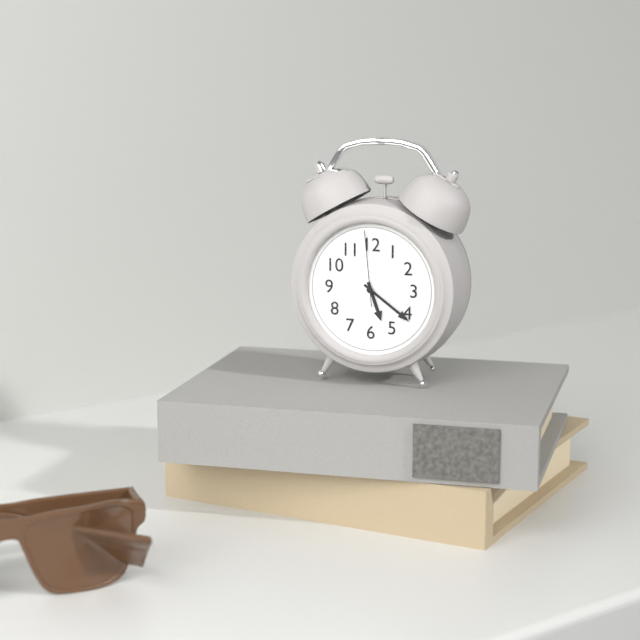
5:21:59
